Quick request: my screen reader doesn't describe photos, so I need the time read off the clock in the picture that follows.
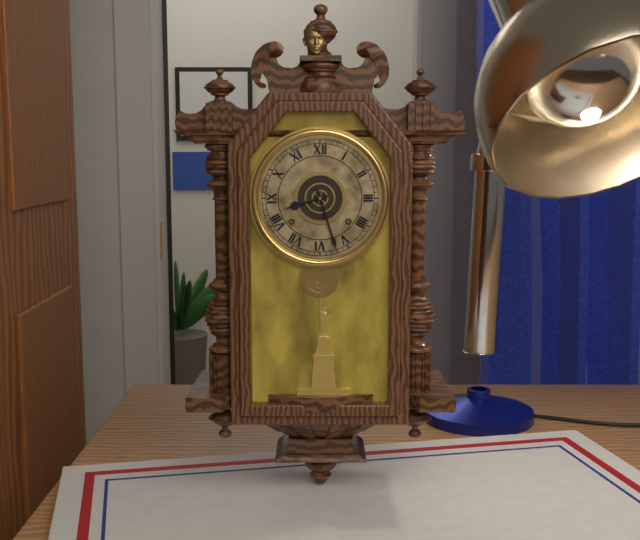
8:27
